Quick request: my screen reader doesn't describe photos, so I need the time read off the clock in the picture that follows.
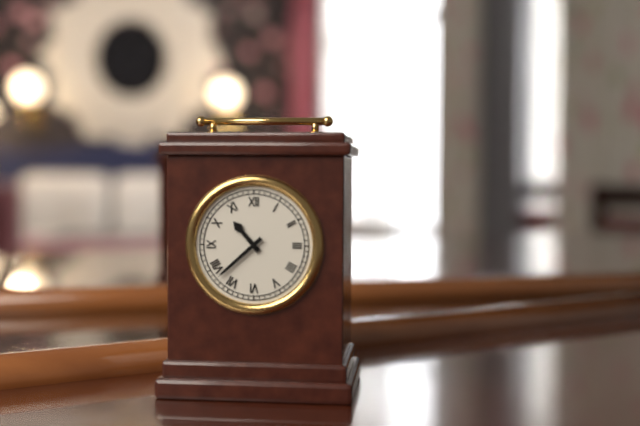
10:38
